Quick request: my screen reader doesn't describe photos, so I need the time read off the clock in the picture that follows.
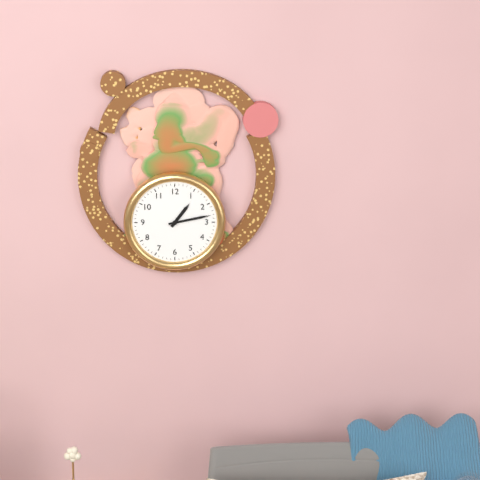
1:13
